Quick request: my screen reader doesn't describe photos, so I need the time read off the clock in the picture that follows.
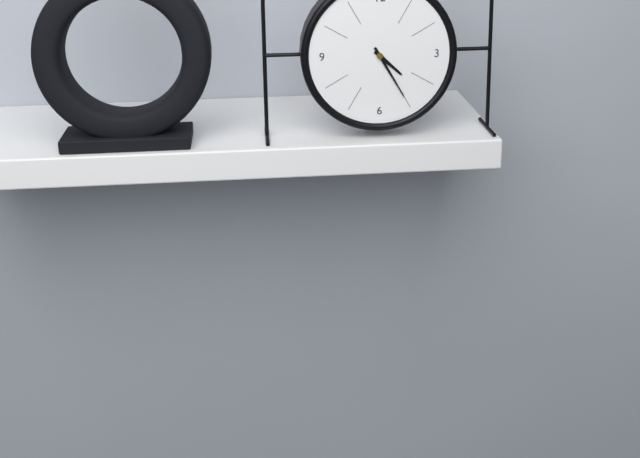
4:25
